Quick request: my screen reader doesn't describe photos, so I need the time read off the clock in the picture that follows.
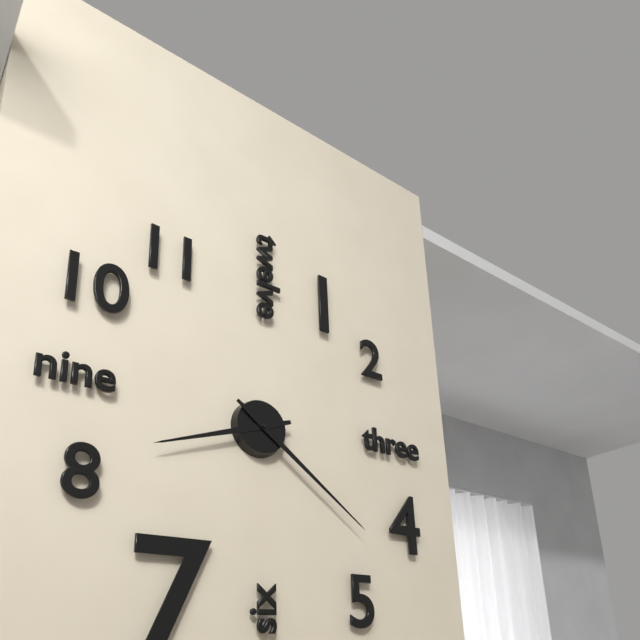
8:21
